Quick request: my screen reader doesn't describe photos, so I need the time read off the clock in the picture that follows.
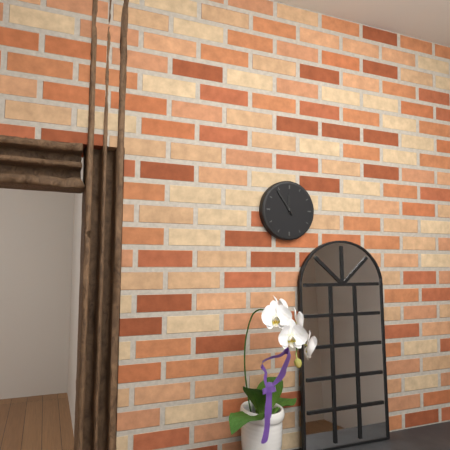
11:54
